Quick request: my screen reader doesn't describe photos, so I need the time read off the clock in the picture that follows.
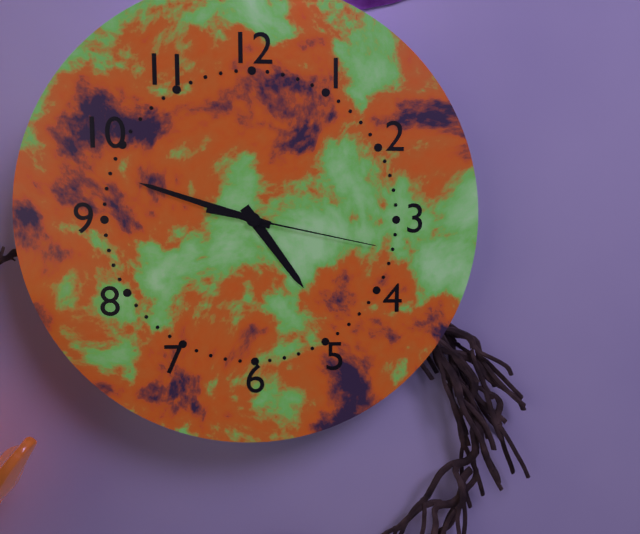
4:48:17
